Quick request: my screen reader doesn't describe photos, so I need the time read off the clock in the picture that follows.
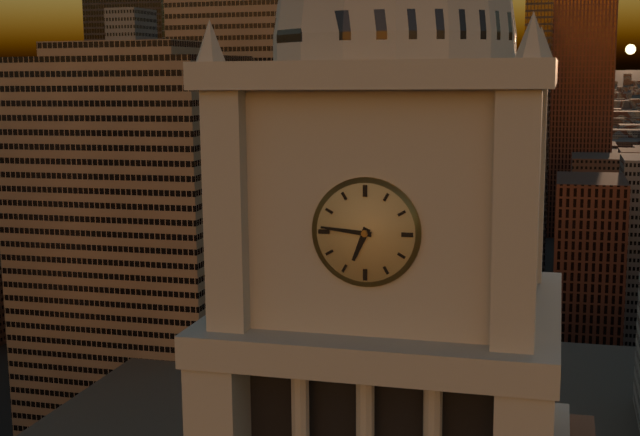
6:46
